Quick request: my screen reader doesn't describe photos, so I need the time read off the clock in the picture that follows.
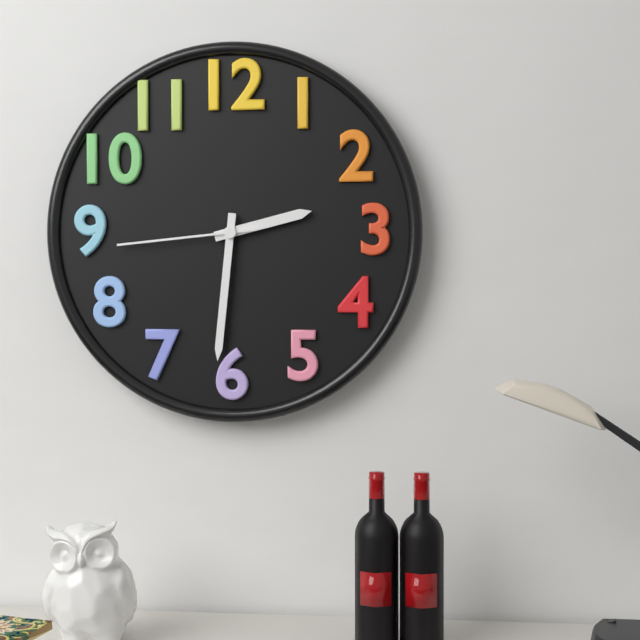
2:31:44
